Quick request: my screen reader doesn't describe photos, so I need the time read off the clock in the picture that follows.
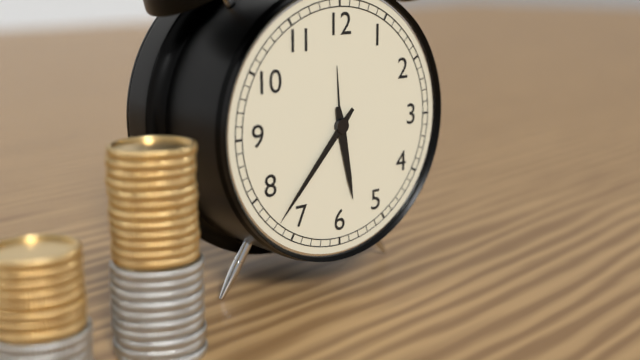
5:37
